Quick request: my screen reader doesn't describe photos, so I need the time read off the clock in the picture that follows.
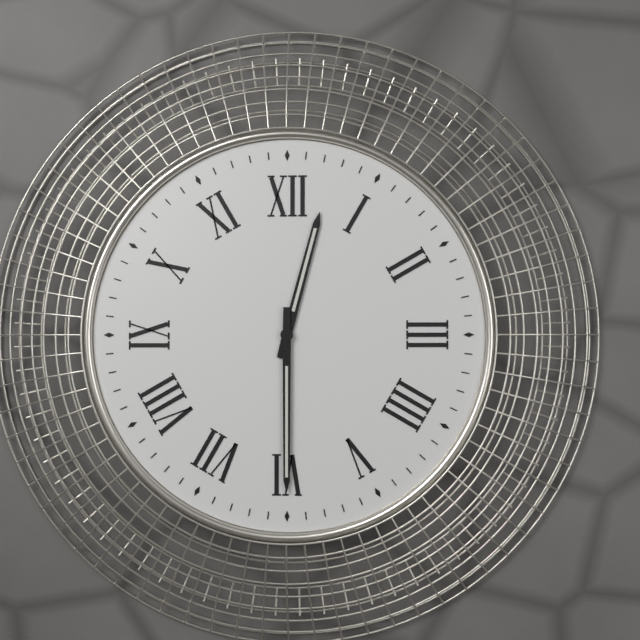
12:30
